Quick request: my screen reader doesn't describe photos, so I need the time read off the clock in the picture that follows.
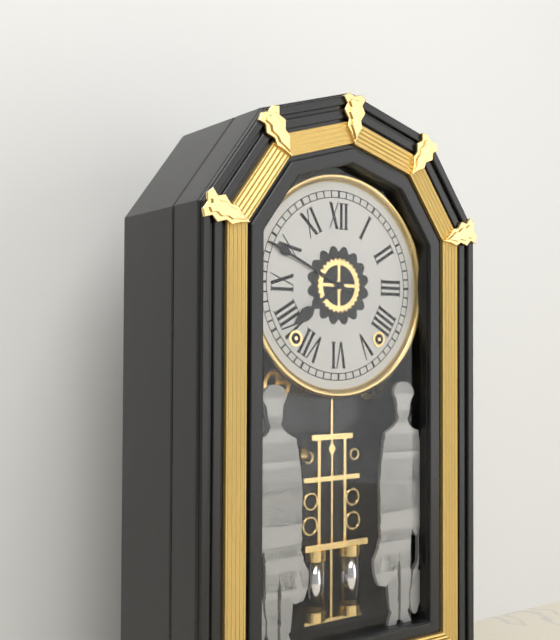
7:49
